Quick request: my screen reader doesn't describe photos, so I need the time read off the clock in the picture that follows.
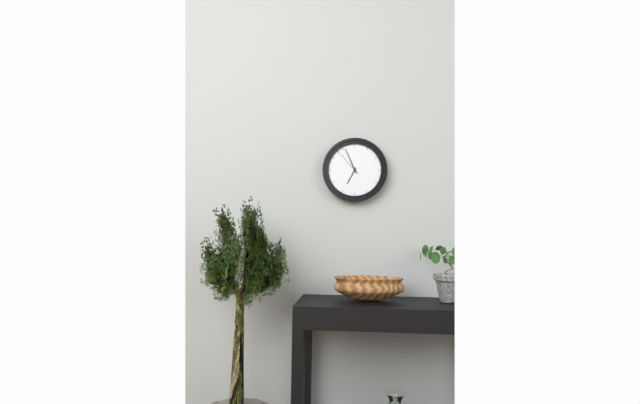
6:56
